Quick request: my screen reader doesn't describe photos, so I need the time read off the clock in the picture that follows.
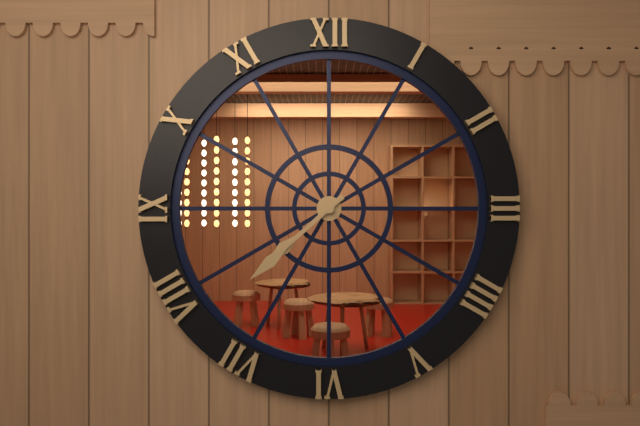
7:38
